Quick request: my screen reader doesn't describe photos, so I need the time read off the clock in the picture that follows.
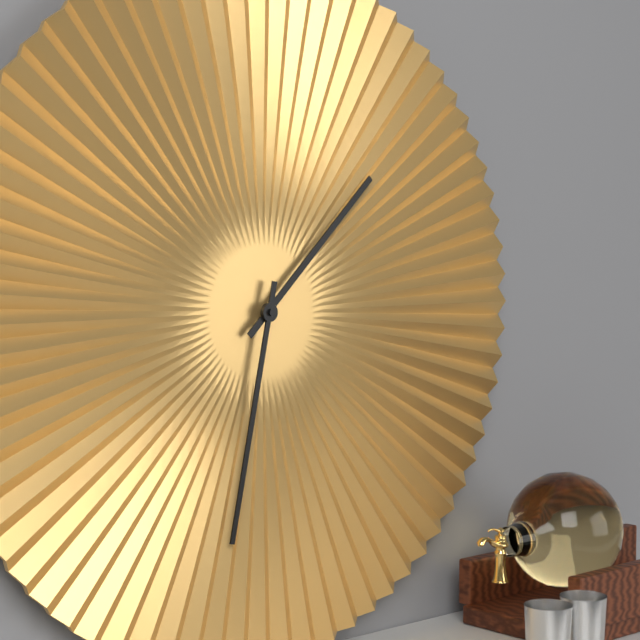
1:32
